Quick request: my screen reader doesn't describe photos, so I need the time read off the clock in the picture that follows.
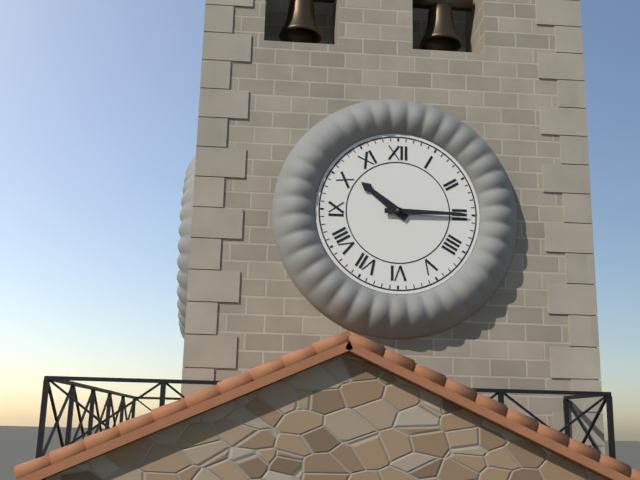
10:15
